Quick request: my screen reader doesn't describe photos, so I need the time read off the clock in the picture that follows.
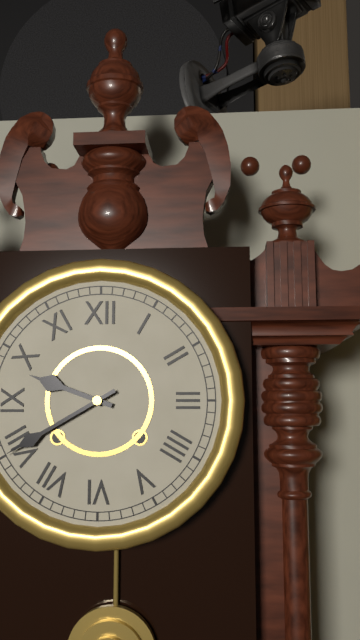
9:40
